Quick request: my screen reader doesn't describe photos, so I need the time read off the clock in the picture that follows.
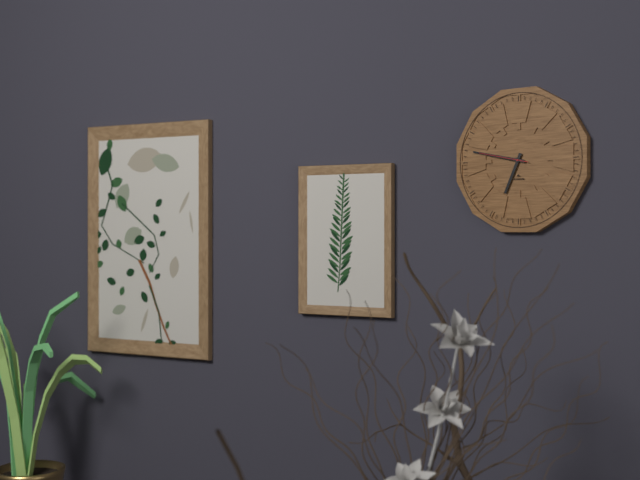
6:47
